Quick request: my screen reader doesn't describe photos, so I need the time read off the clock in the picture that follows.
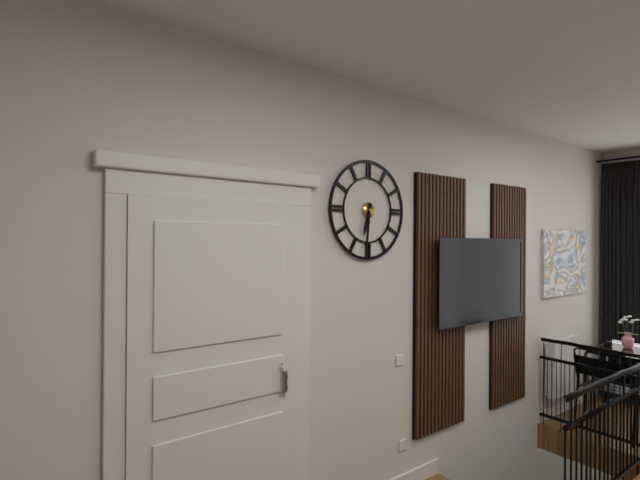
6:31
